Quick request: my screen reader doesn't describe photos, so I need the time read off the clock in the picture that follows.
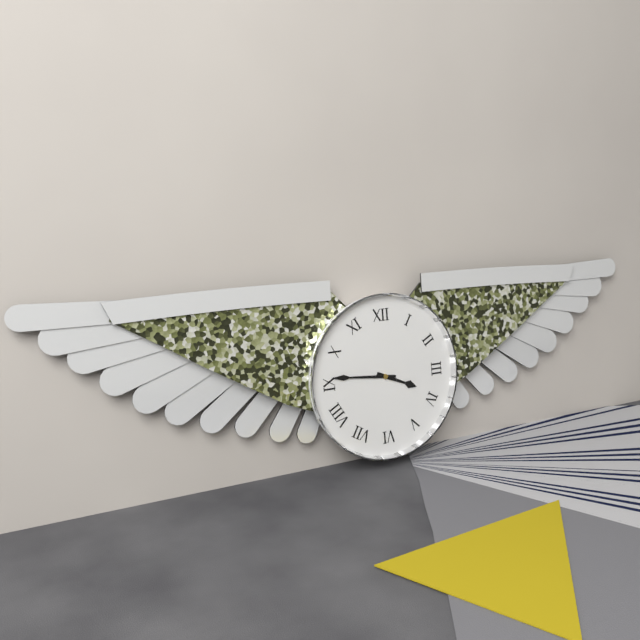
3:46
